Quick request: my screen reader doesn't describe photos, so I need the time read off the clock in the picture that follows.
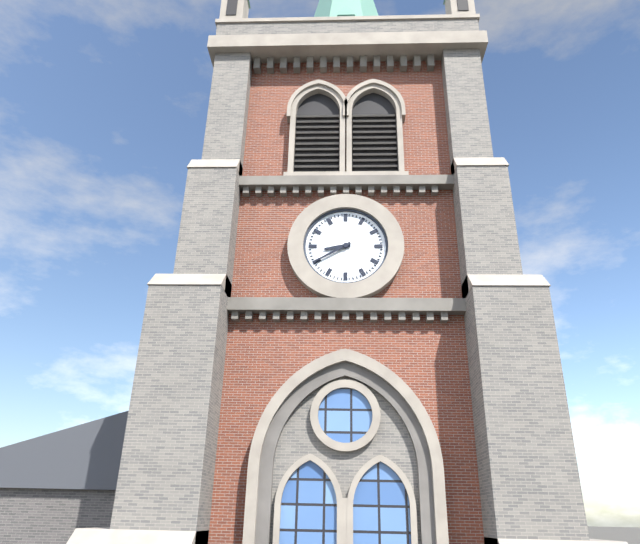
8:40
